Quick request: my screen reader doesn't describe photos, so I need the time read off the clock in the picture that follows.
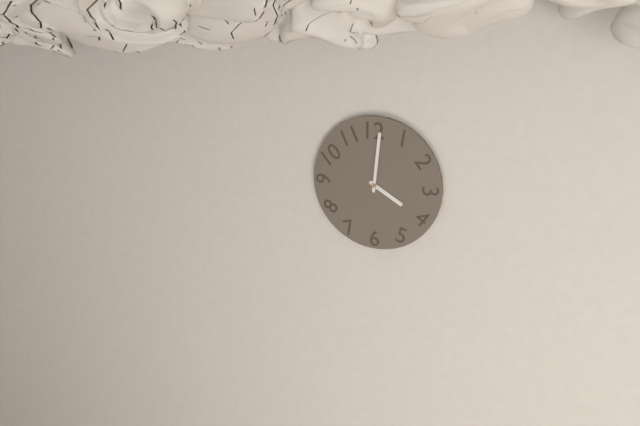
4:01
